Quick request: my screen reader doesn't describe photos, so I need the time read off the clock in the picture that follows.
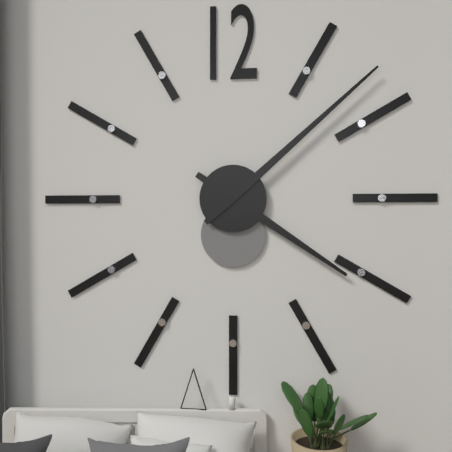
4:08
